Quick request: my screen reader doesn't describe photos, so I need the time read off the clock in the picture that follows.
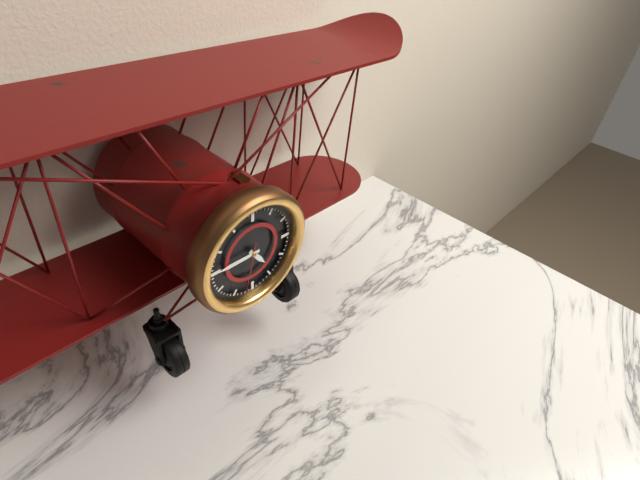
4:45
